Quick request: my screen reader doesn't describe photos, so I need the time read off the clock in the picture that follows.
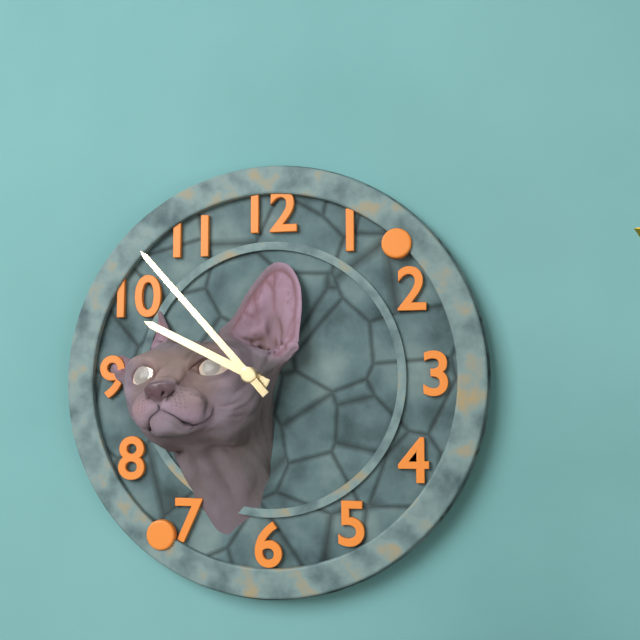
9:53
